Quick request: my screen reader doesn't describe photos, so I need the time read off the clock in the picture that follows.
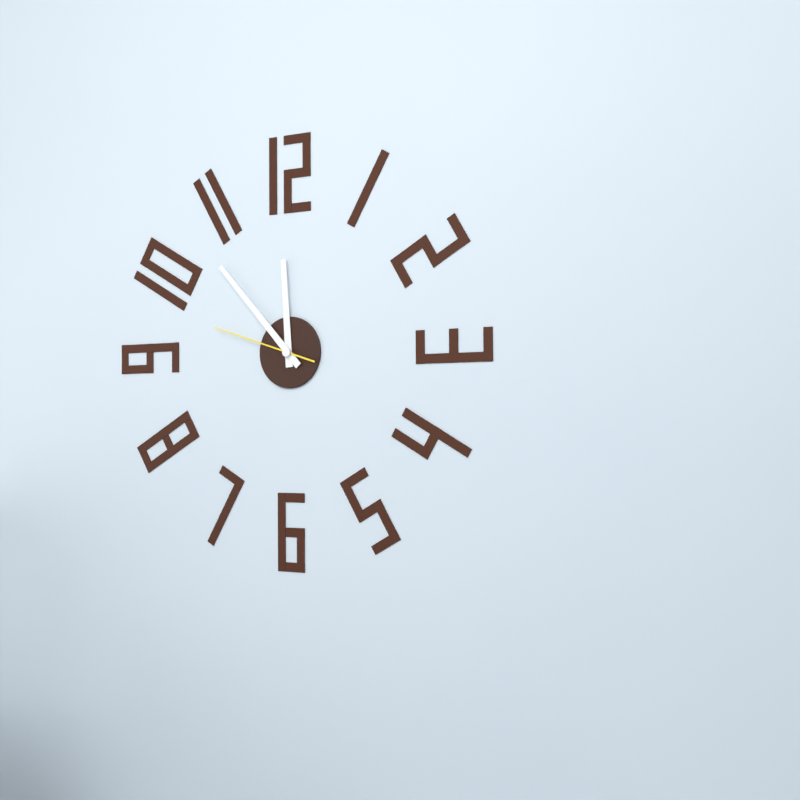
11:53:48
